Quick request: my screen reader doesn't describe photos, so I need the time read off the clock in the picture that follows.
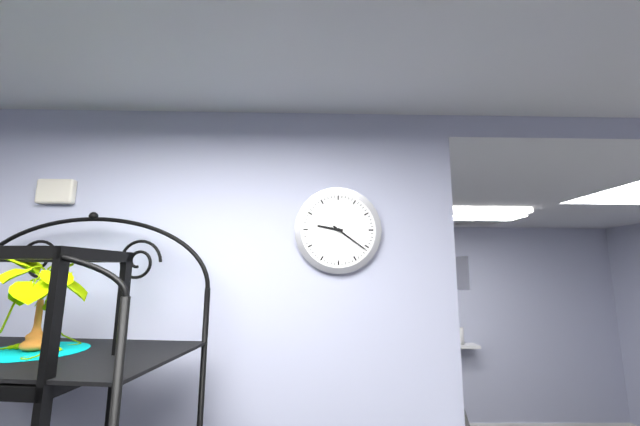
9:21
